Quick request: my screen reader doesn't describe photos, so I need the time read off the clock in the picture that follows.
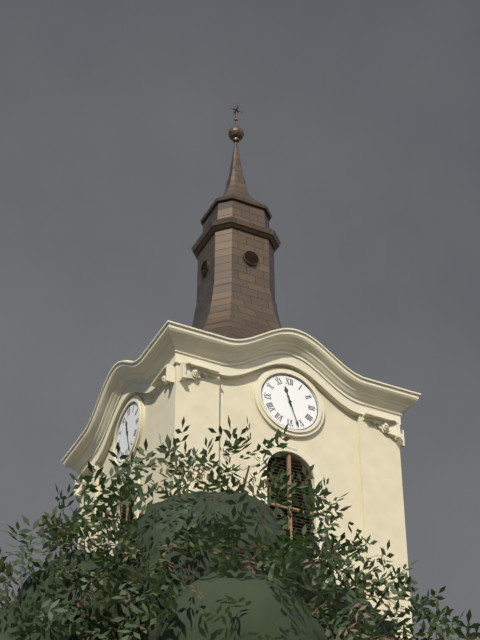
11:27
